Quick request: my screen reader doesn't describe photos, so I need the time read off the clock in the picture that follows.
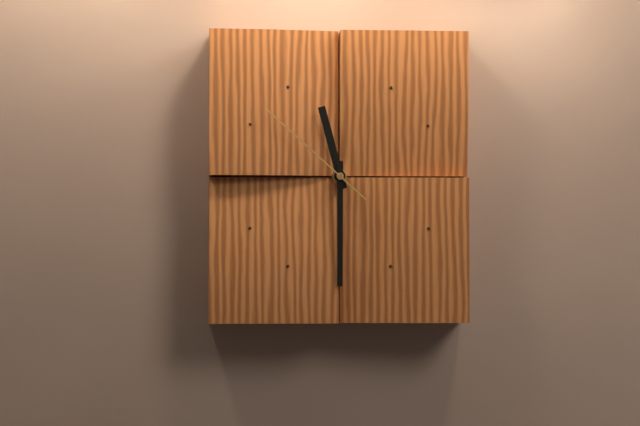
11:30:52
